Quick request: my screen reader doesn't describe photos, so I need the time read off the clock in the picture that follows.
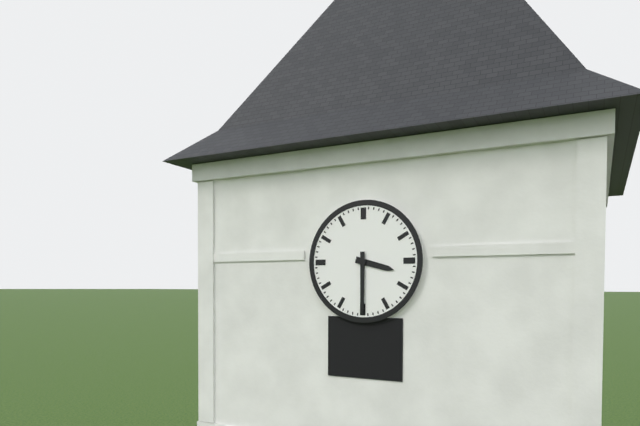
3:30
